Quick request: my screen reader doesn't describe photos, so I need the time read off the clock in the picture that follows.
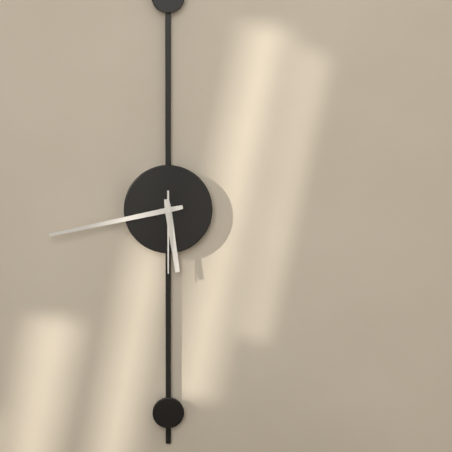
5:43:30
